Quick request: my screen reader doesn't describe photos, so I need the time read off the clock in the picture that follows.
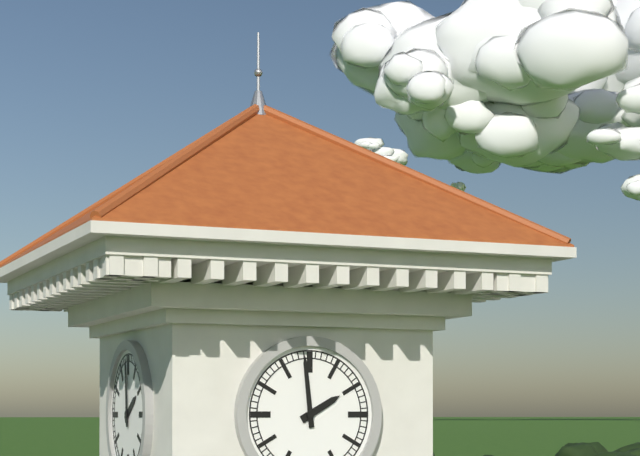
1:59
